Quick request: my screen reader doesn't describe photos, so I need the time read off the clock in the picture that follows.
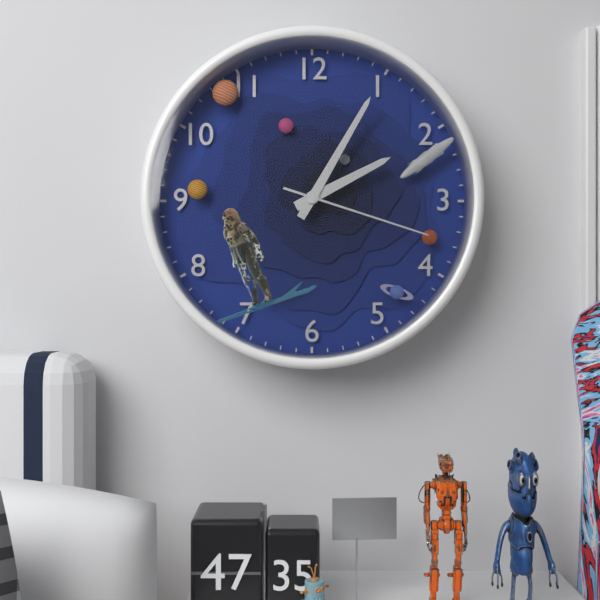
2:05:18
